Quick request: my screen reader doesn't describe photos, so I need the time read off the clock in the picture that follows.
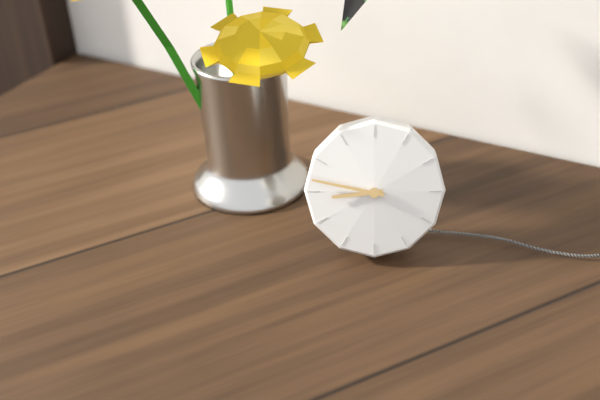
8:47
